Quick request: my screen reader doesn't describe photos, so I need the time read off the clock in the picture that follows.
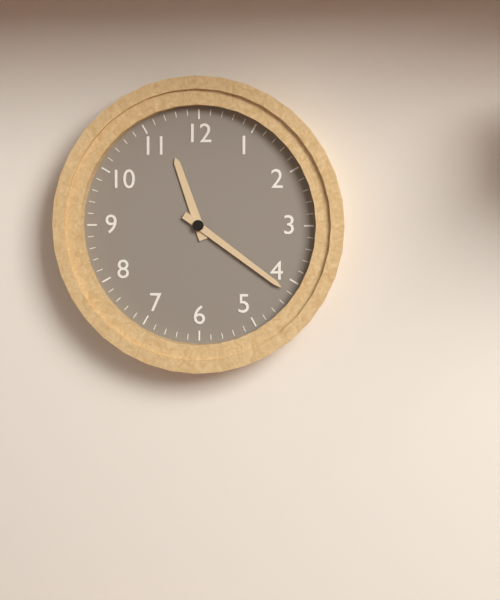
11:21
